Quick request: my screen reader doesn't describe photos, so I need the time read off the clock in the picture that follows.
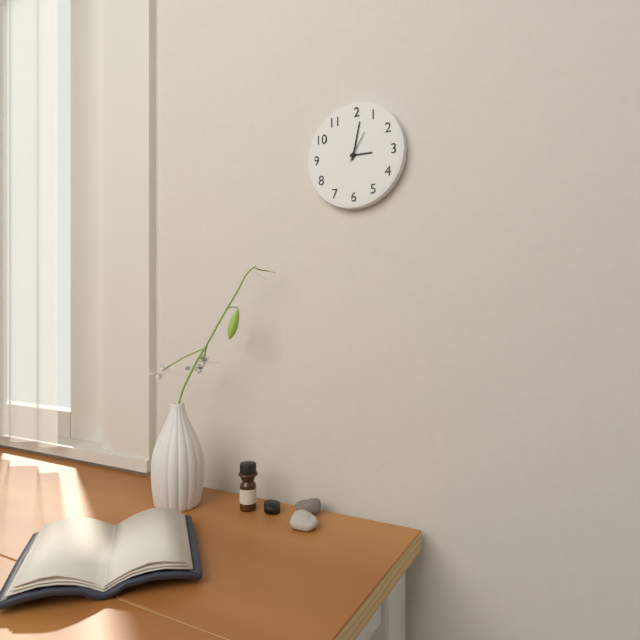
3:02
